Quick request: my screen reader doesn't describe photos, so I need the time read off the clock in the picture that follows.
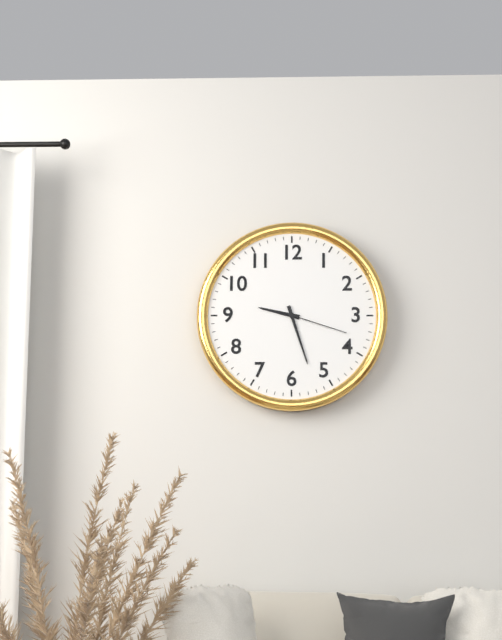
9:27:18
